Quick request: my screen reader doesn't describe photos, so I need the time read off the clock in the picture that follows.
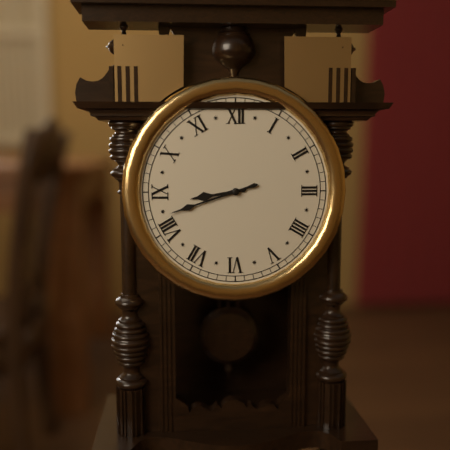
8:42
